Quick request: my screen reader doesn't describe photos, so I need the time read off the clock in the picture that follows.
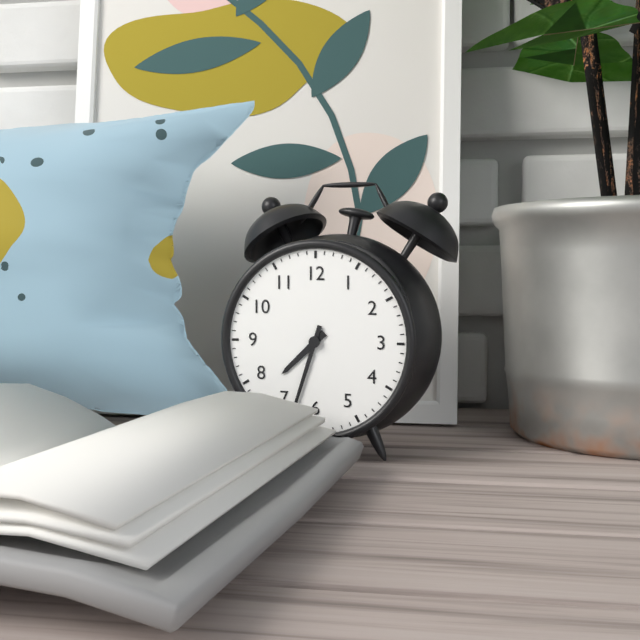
7:33
